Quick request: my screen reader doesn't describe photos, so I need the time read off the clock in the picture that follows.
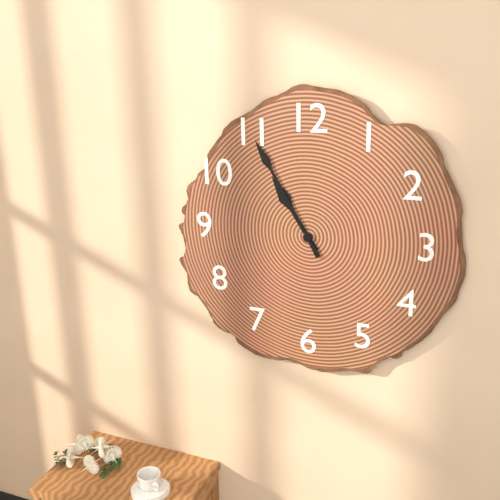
10:55
